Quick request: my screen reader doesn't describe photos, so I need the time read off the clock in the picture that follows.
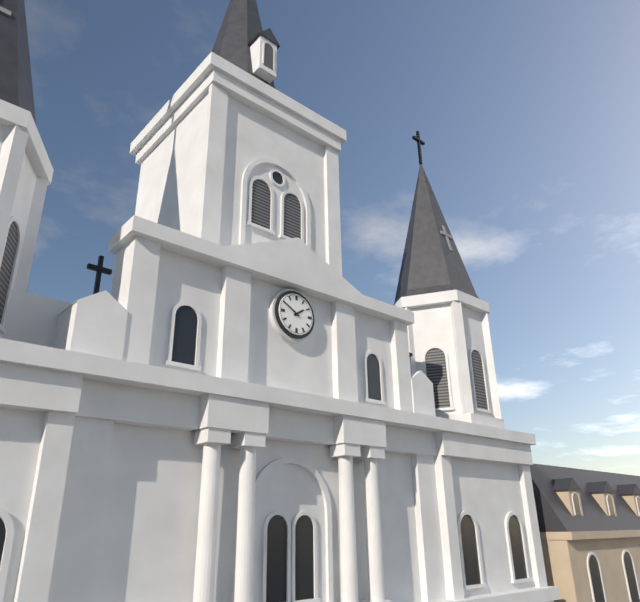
1:50
